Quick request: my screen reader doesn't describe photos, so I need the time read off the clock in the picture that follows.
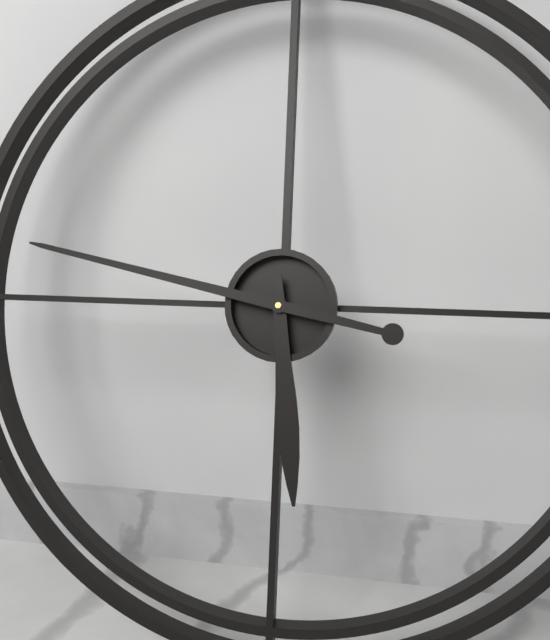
5:47
